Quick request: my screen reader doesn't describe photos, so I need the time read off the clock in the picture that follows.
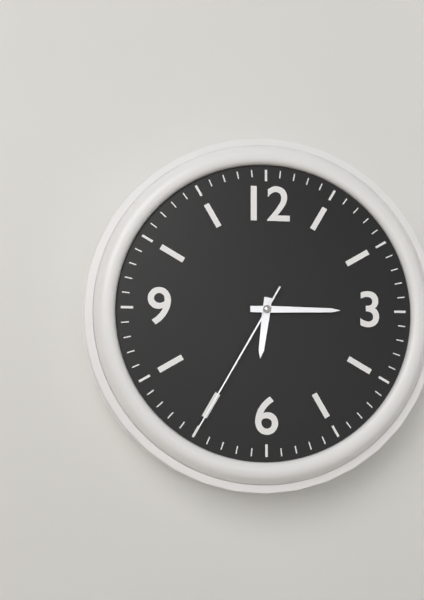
6:15:35
